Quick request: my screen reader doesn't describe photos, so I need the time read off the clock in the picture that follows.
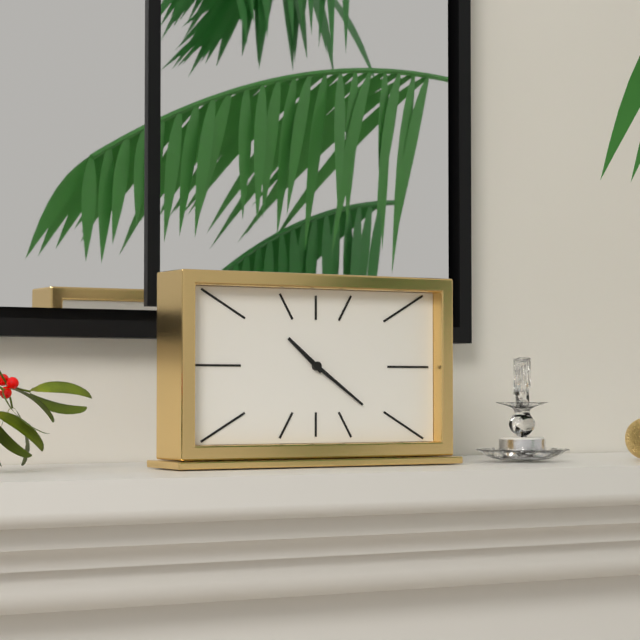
10:21
